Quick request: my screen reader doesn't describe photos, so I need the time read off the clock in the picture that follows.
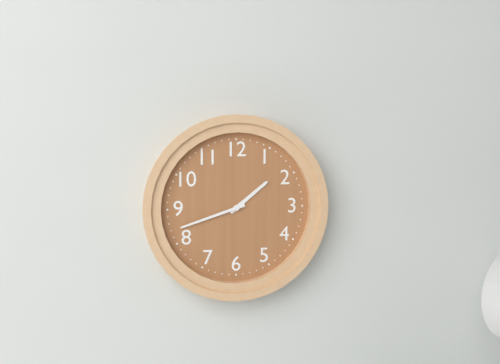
1:42
